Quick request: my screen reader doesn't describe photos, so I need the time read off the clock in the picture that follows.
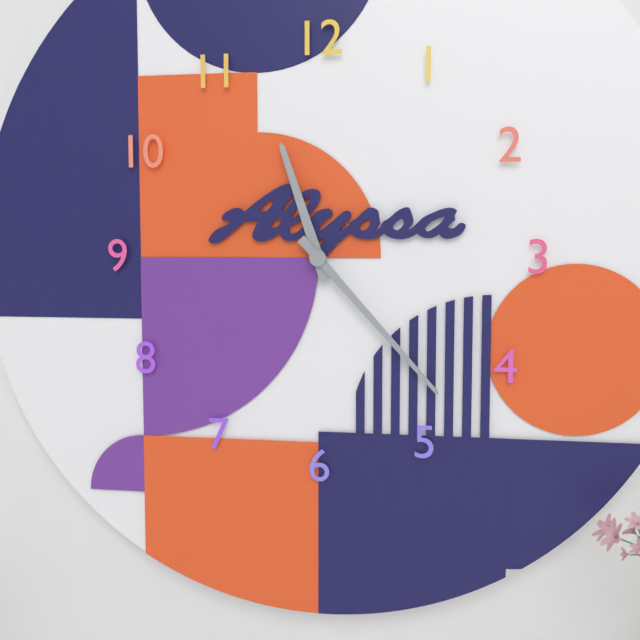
11:23
